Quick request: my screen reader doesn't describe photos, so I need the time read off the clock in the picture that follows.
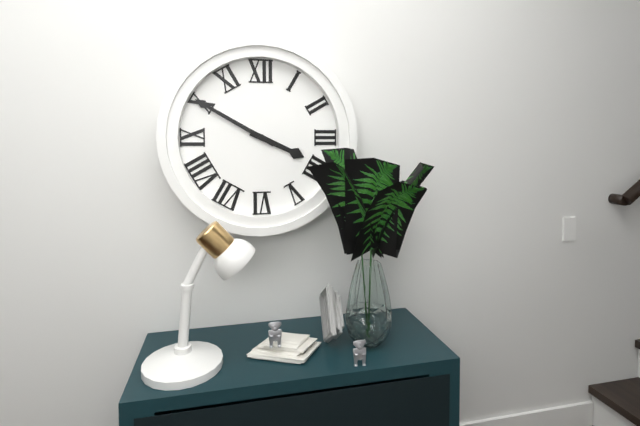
3:50
